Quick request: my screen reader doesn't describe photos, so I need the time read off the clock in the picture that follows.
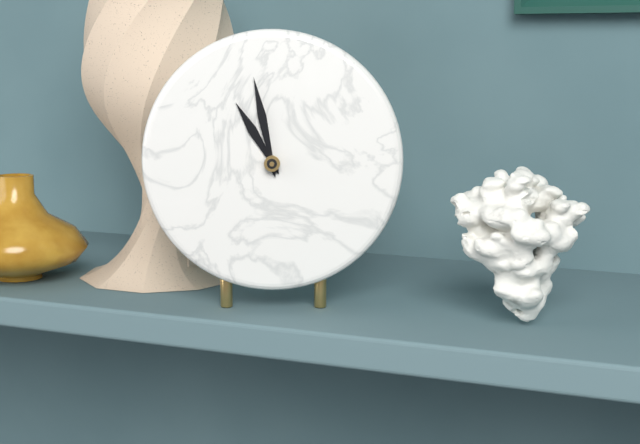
10:58
